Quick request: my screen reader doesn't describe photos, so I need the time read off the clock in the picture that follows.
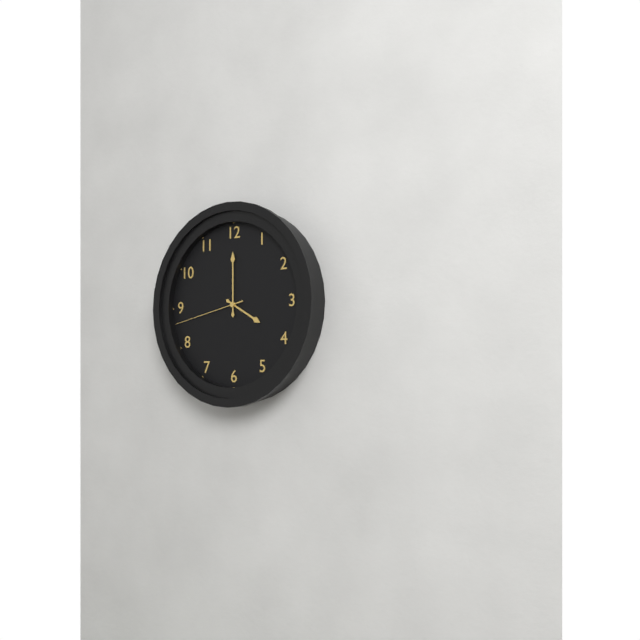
4:00:43
